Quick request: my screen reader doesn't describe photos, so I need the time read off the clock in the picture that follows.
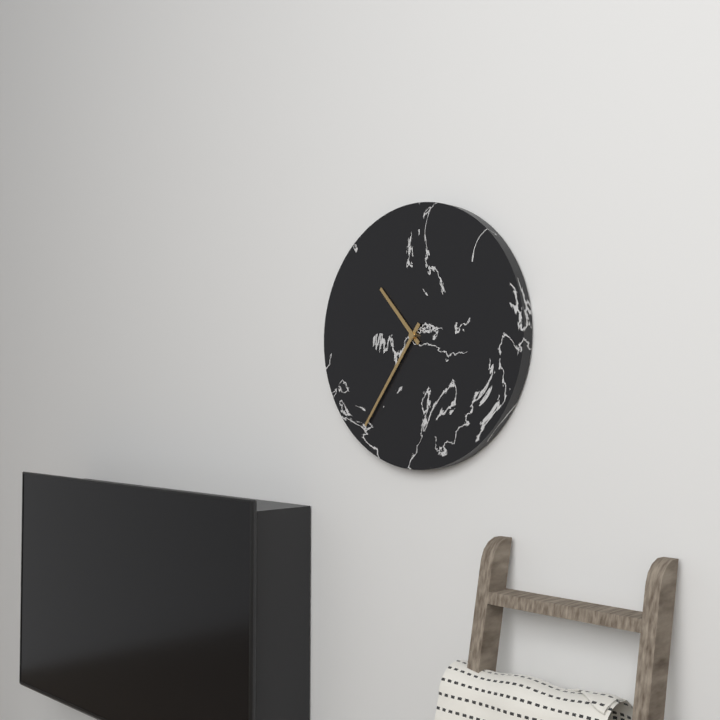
10:36
